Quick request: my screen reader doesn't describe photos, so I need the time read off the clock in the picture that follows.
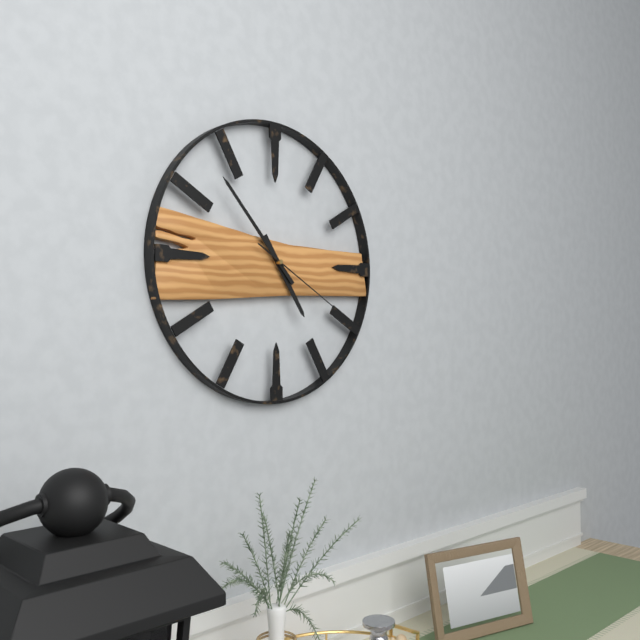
4:53:20
